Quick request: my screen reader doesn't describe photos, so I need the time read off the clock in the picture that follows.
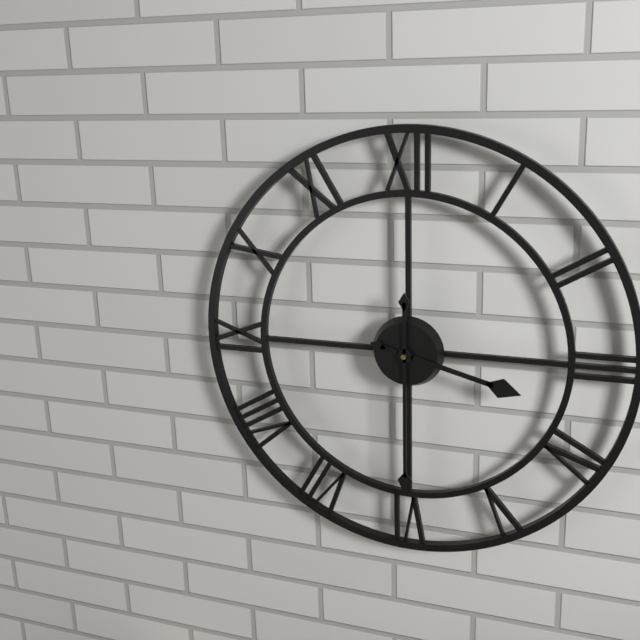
3:30
